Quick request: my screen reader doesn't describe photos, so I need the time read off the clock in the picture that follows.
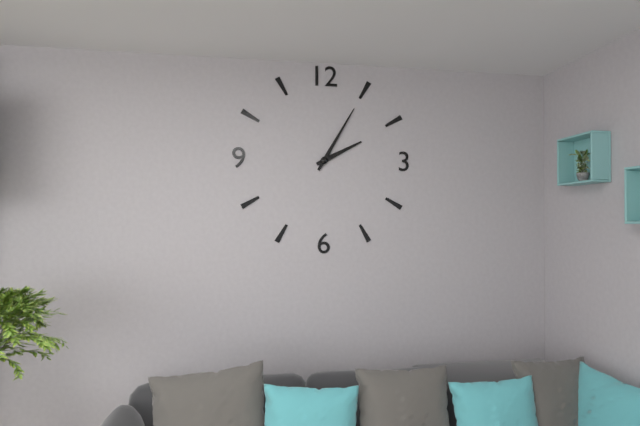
2:05
